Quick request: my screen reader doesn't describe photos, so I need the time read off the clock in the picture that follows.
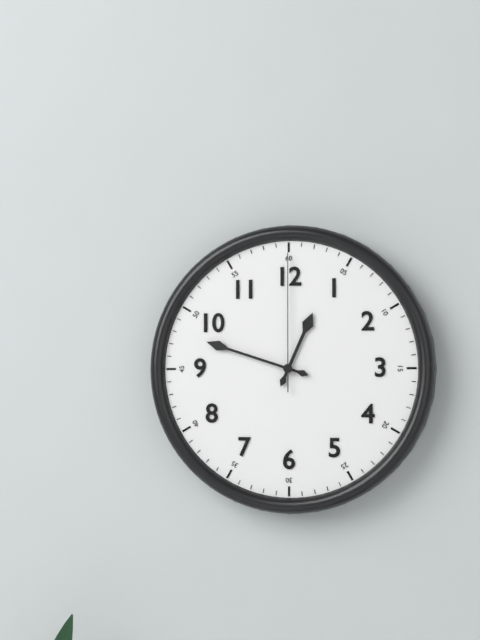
12:48:00
